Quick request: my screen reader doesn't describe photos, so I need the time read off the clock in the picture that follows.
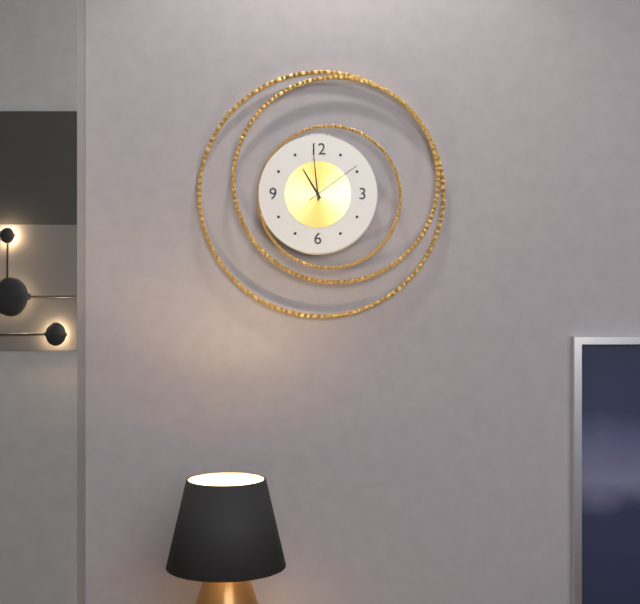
10:59:09
